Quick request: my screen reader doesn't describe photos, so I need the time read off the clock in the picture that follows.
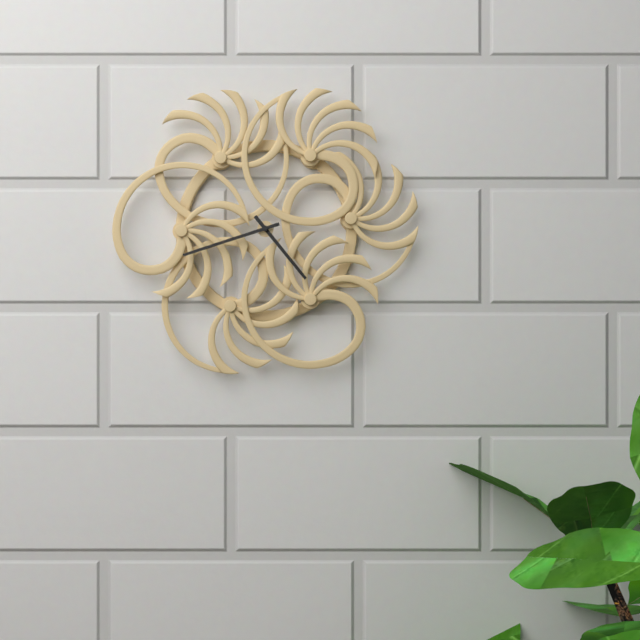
4:42
